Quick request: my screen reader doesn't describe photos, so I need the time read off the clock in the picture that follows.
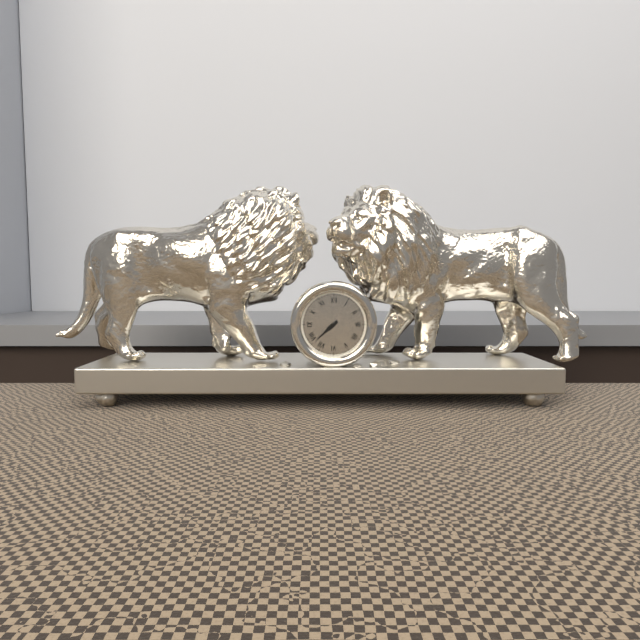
7:38
